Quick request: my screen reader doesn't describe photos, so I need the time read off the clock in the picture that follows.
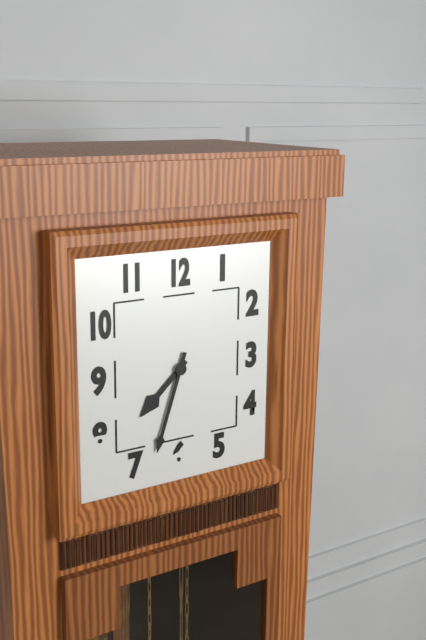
7:33
